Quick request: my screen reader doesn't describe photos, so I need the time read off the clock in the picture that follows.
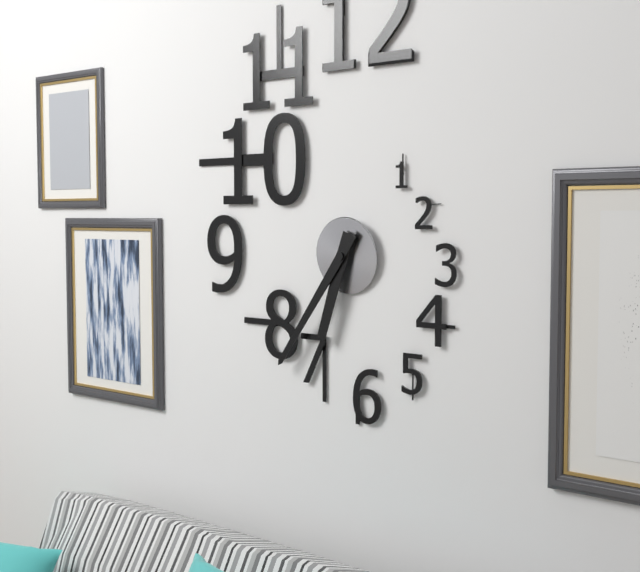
6:36
